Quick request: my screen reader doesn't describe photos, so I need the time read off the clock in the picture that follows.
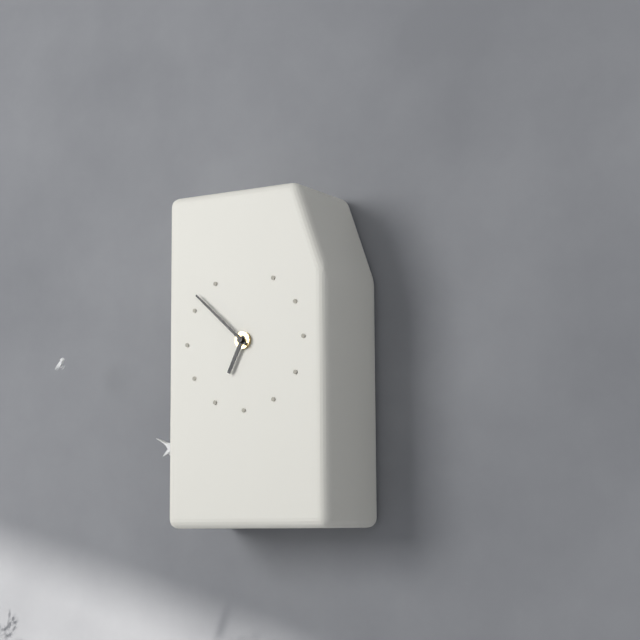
6:52
